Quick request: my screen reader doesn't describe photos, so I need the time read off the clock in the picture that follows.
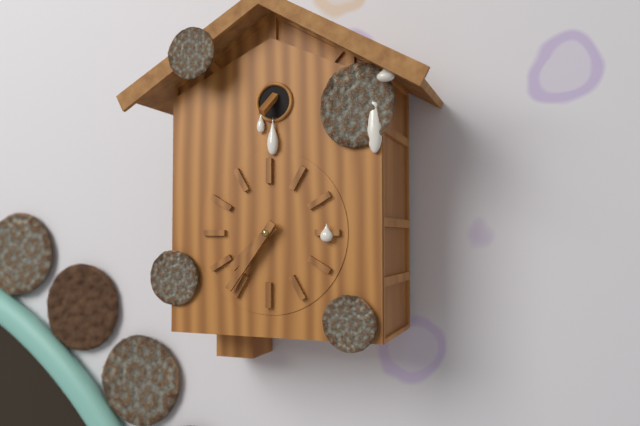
7:36
